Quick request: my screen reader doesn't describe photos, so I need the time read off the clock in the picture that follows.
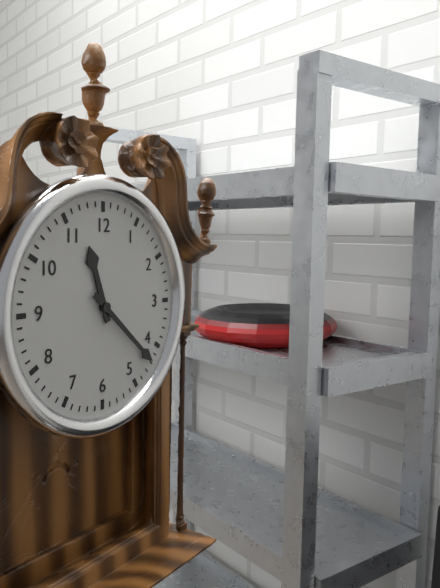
11:22
